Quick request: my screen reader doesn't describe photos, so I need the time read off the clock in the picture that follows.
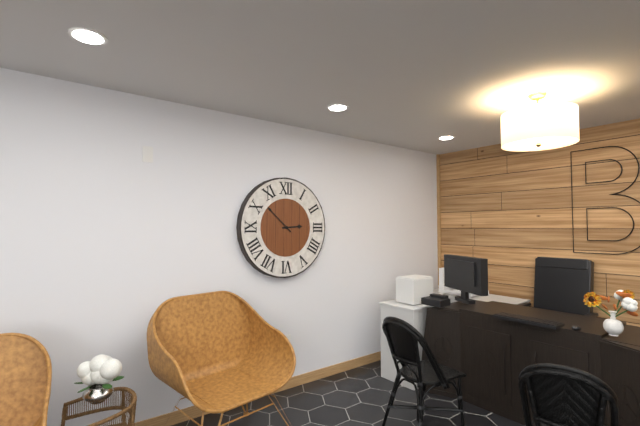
2:52
